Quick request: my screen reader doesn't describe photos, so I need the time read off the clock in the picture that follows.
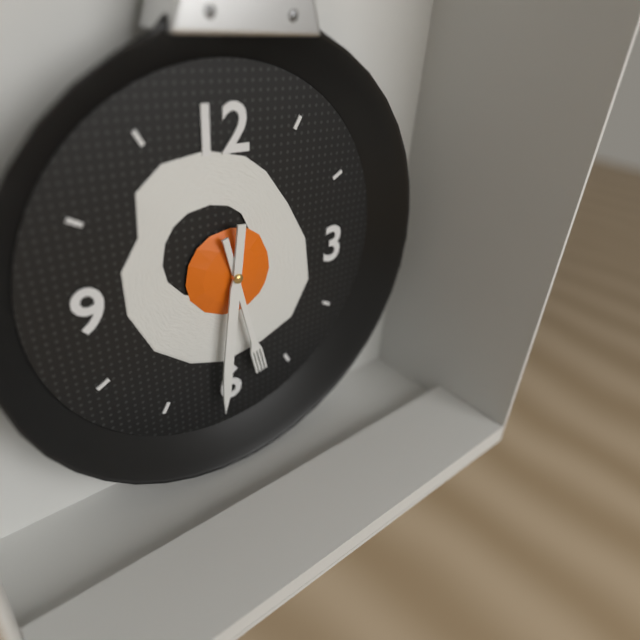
5:31
